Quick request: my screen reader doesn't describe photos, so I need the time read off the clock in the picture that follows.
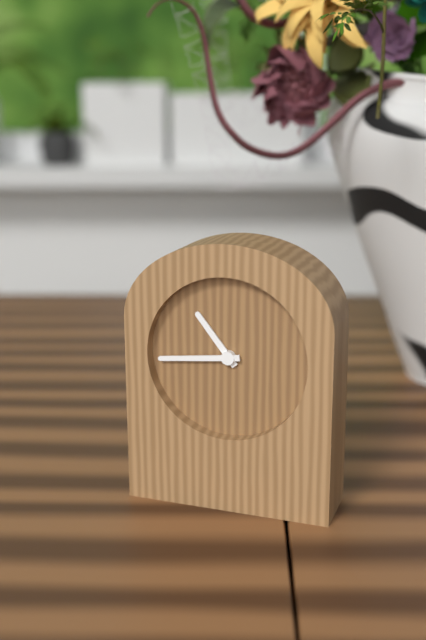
10:44
